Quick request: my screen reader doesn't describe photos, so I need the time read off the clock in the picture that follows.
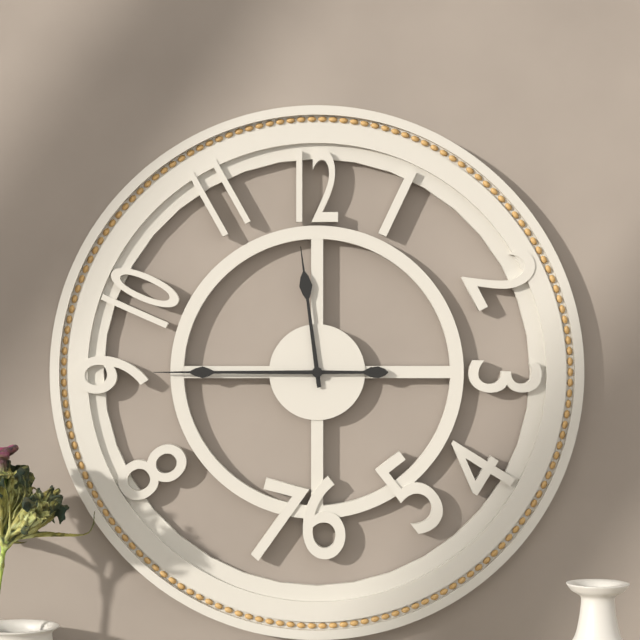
11:45
